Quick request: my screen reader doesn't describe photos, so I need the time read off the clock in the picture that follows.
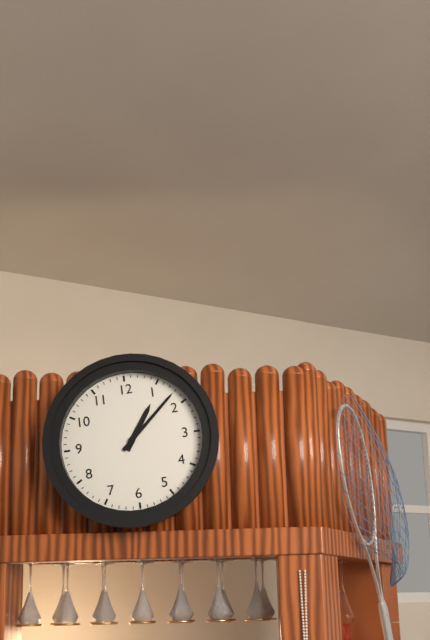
1:08
